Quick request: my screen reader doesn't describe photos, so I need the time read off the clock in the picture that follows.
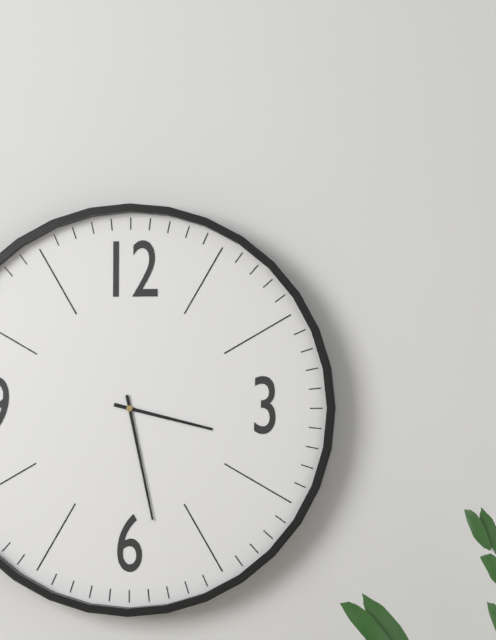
3:28
